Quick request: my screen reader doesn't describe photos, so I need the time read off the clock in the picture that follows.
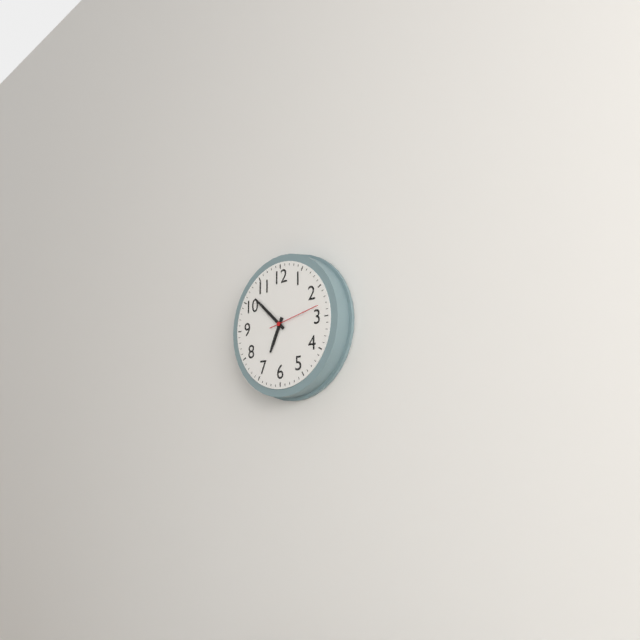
6:52:13
